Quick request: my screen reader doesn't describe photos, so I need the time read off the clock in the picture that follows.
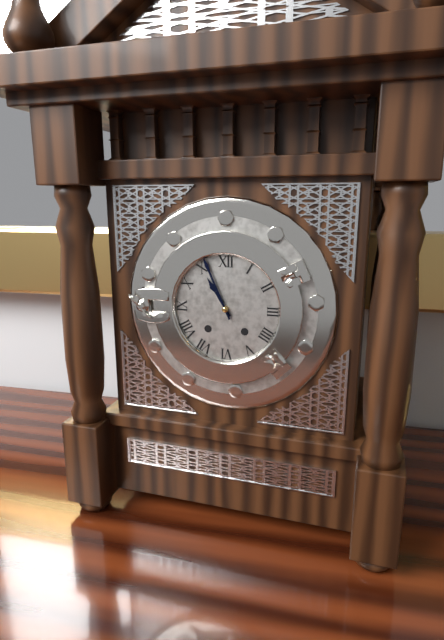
10:56
